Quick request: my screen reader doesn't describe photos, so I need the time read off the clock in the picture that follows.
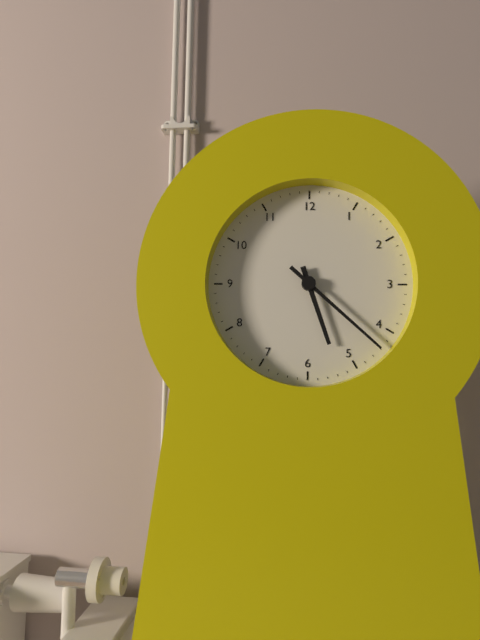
5:22
